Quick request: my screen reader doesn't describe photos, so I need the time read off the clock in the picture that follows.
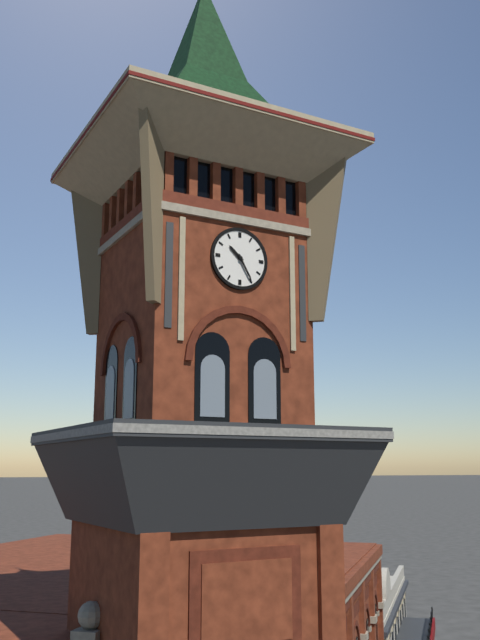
10:25
